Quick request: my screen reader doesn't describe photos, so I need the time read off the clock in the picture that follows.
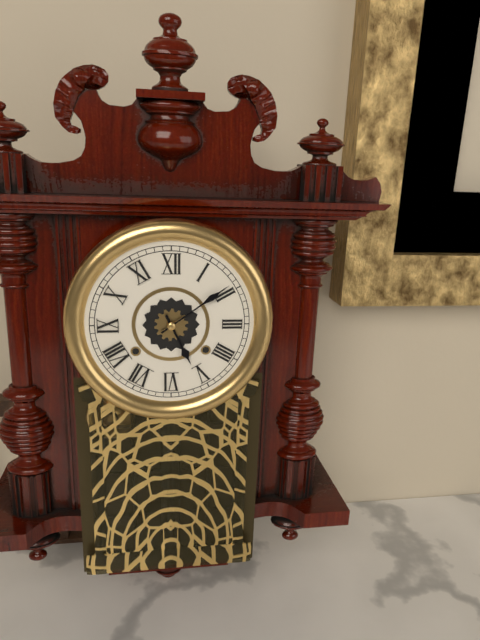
5:09
